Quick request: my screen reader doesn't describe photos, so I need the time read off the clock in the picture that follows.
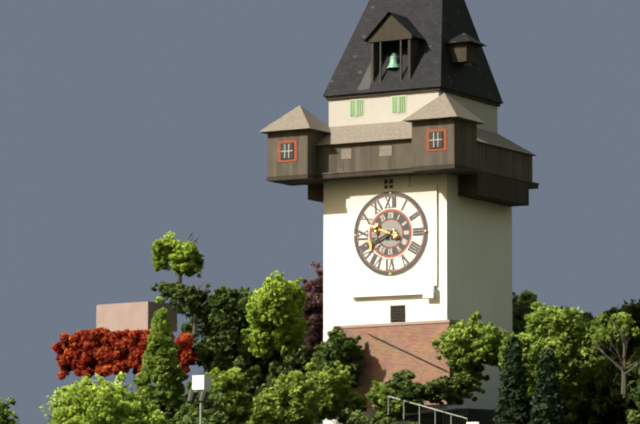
9:41
